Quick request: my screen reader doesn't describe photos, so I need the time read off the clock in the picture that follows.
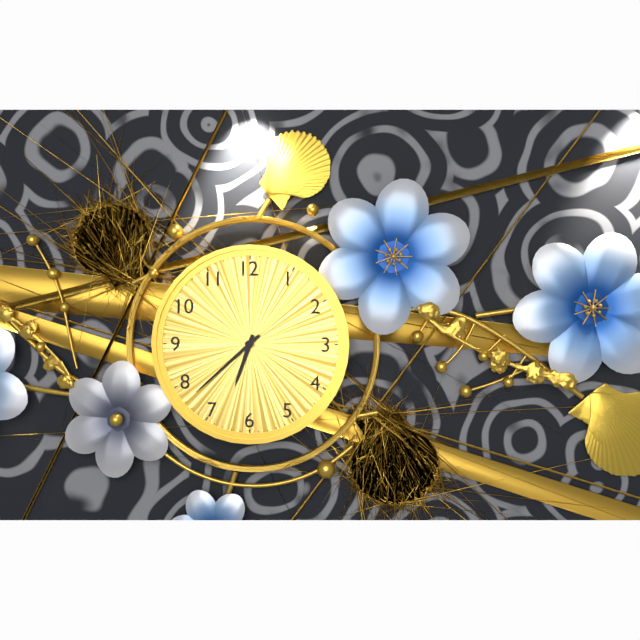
6:38
